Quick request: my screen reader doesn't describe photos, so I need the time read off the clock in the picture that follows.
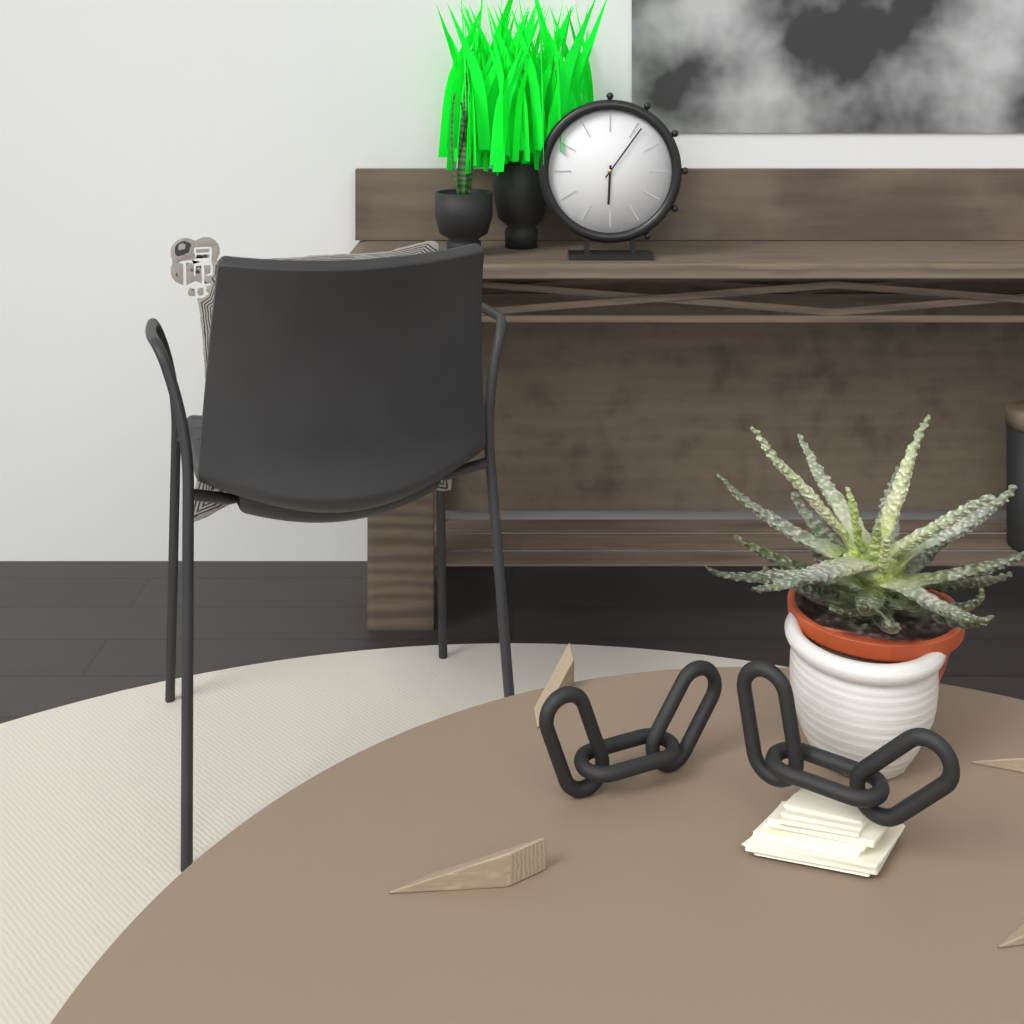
6:06
